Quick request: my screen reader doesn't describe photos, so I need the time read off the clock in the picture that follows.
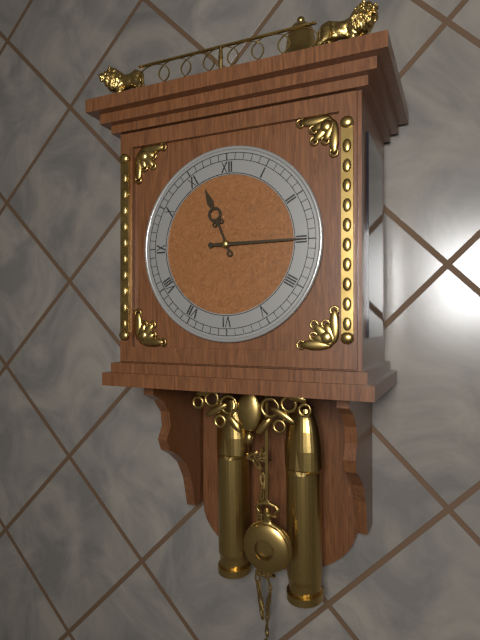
11:15
